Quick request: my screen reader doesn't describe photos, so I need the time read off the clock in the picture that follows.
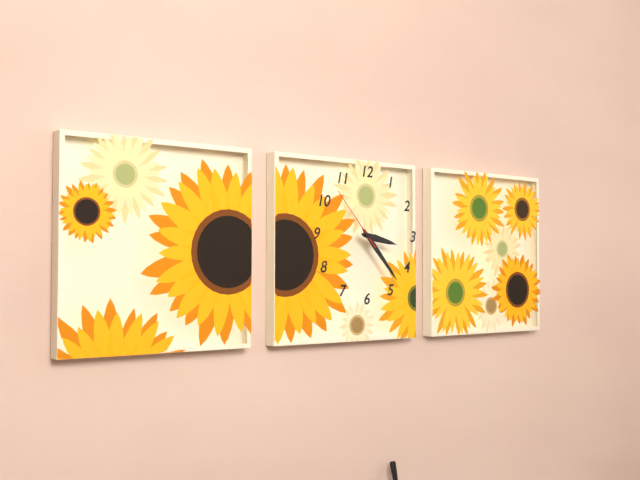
3:23:53
